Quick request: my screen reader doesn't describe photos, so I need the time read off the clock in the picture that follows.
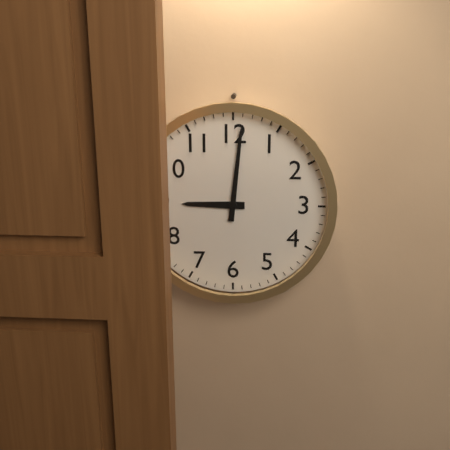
9:01
